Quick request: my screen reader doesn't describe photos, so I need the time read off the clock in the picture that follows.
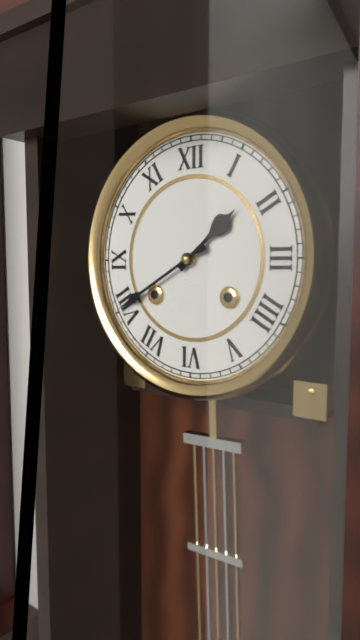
1:40
